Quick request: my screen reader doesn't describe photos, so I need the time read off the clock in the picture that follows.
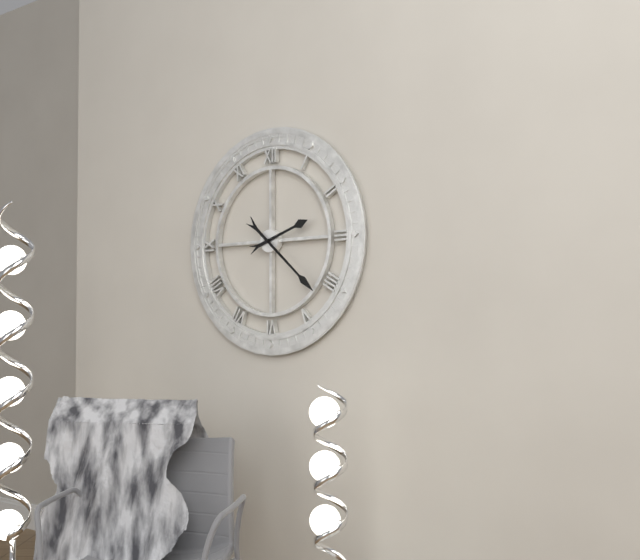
2:22
